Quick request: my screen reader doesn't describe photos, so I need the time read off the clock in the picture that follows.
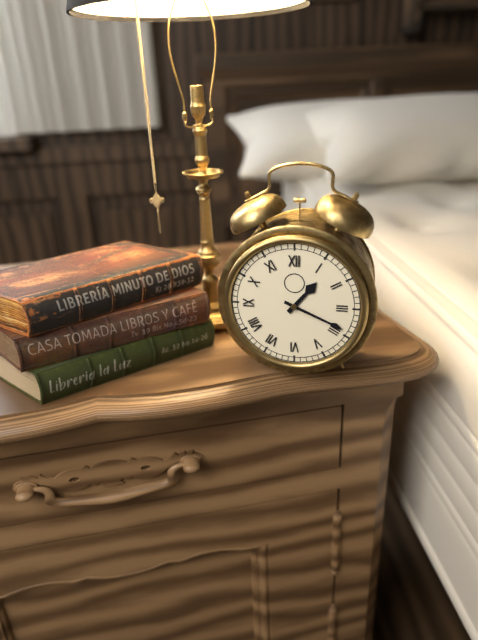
1:19
